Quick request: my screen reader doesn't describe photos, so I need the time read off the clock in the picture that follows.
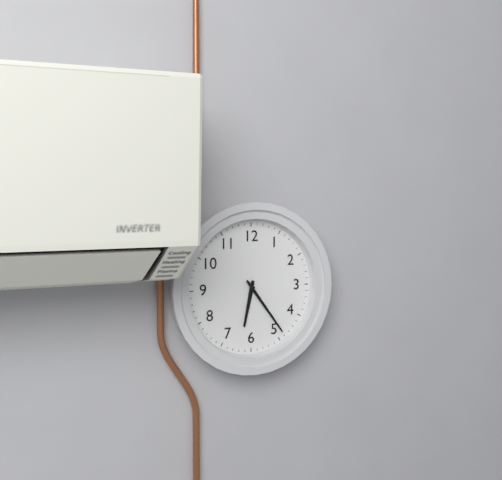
6:24
